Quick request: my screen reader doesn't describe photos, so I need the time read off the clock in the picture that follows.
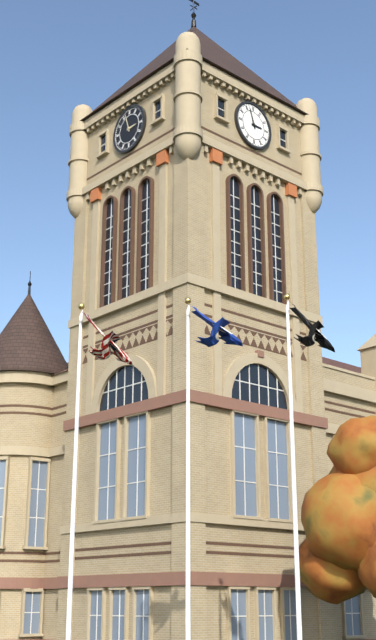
2:57
